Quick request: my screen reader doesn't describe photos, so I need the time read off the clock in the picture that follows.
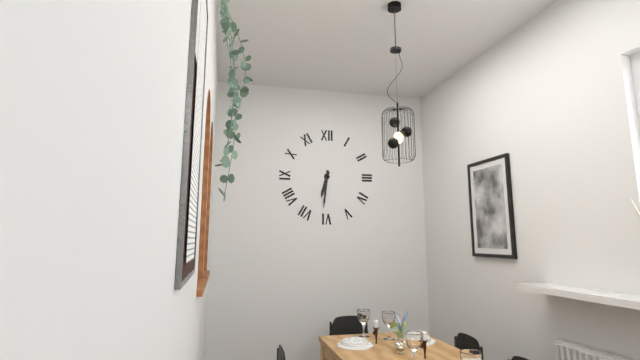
6:31
